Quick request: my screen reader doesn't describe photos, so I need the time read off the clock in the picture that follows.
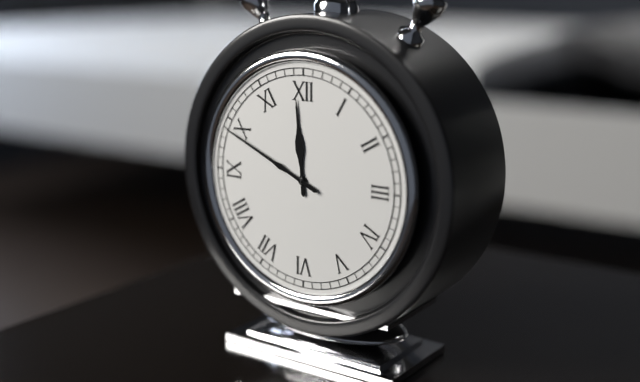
11:49
